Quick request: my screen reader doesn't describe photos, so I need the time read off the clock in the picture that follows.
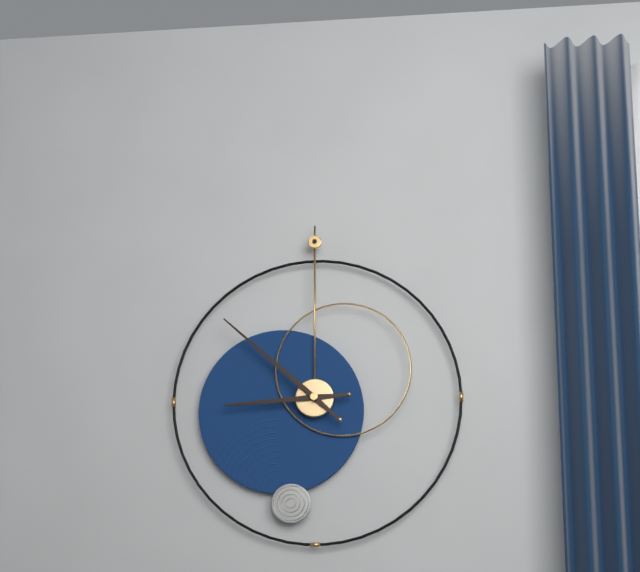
8:52
